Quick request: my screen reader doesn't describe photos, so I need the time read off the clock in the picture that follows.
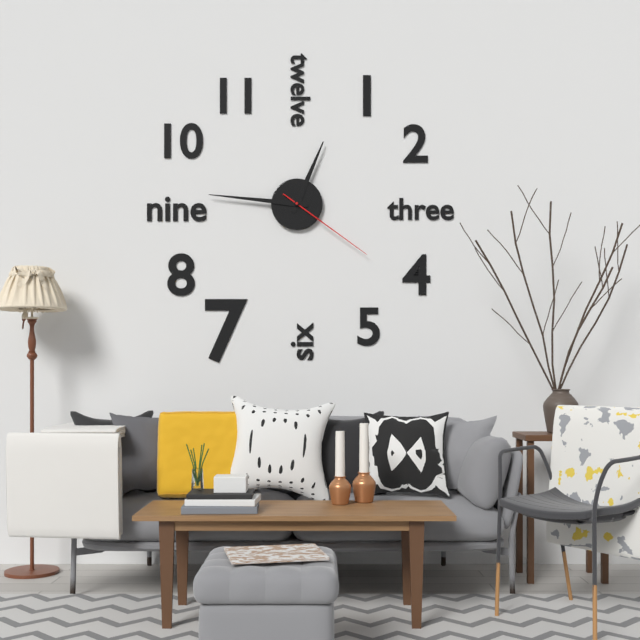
12:46:21
